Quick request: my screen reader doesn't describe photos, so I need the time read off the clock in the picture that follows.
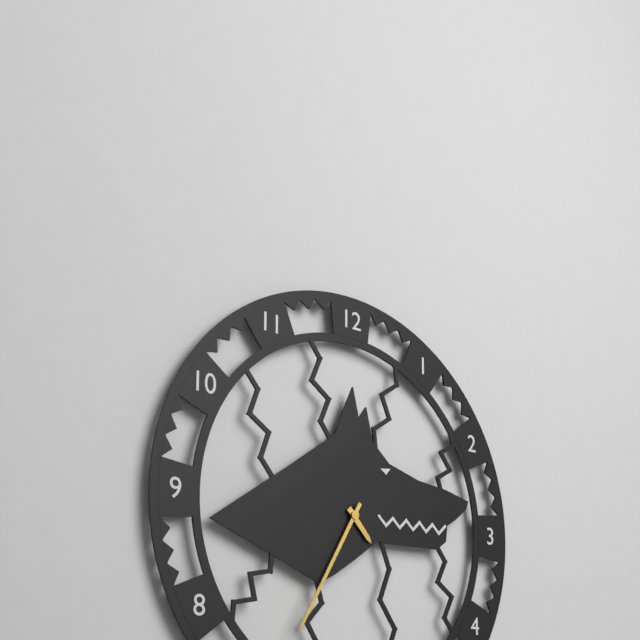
4:35
